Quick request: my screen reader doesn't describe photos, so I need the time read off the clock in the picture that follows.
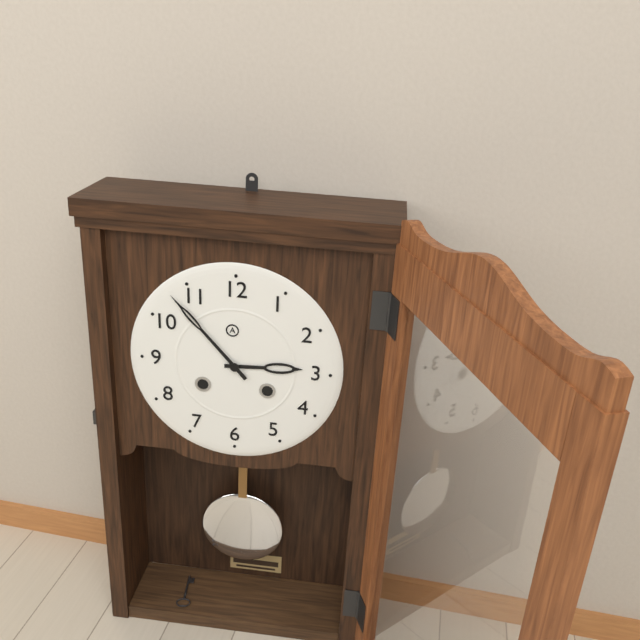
2:53
